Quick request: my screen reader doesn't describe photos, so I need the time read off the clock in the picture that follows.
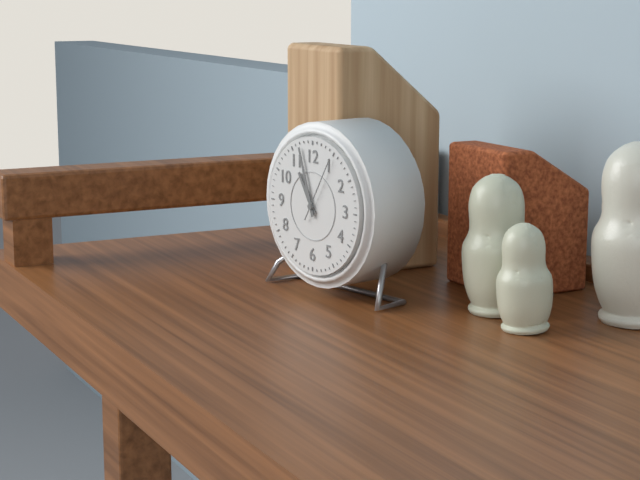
10:57:05
